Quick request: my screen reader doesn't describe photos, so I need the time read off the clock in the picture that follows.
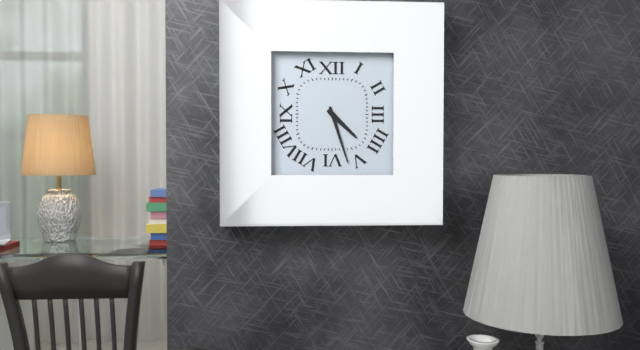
4:27
